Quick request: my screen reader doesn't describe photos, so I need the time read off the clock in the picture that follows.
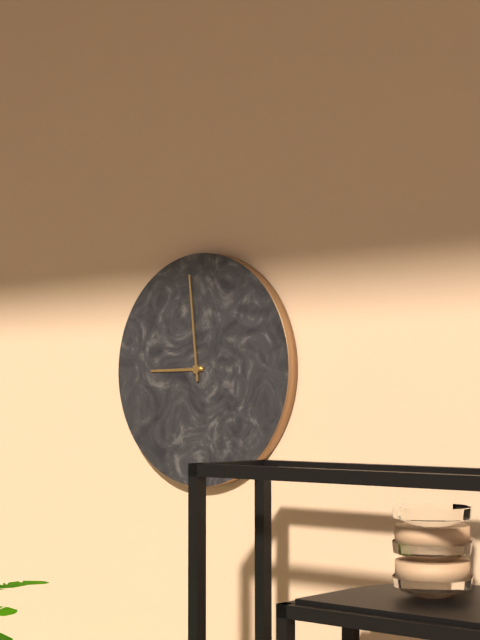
8:59
